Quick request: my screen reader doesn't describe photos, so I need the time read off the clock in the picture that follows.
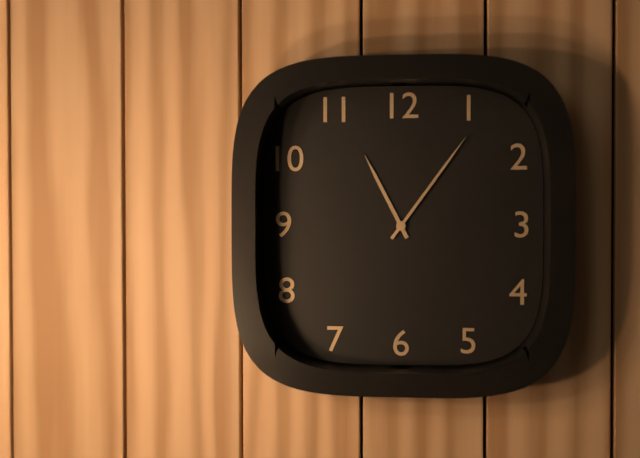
11:06
